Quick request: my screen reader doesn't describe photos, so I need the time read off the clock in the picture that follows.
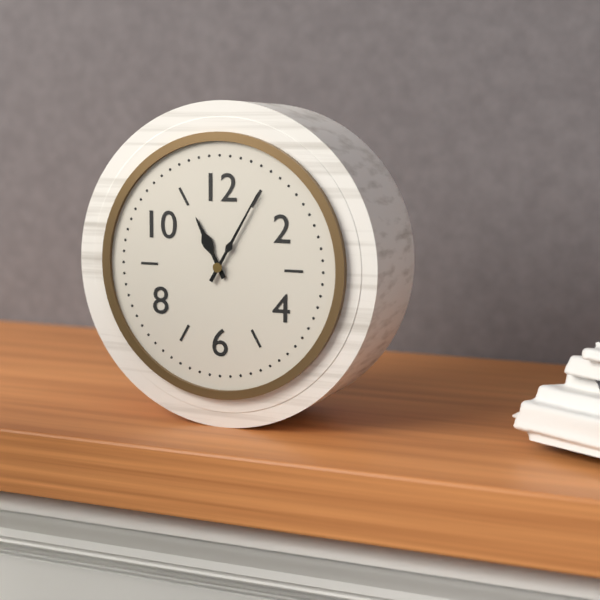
11:05
